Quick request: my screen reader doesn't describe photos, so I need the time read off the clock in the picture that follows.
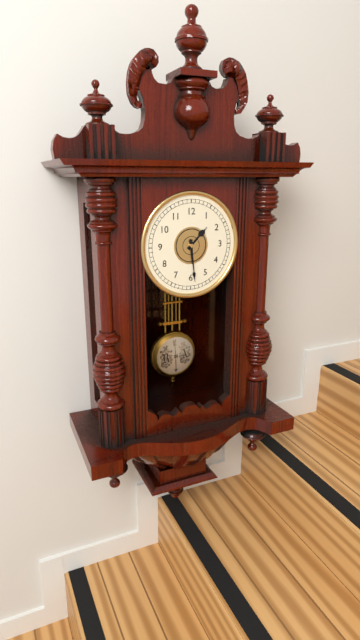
1:29
